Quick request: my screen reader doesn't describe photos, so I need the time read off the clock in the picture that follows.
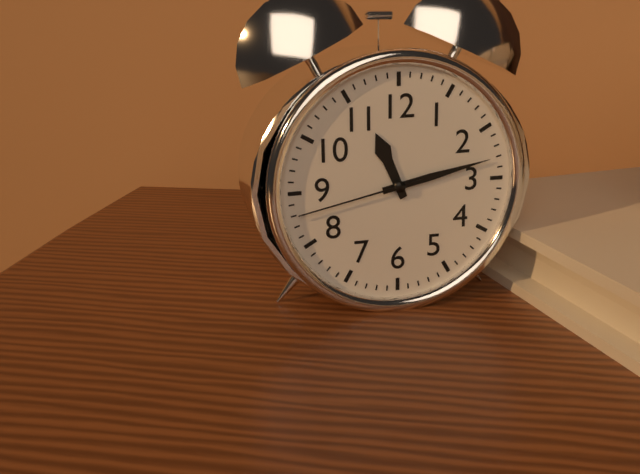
11:13:43
